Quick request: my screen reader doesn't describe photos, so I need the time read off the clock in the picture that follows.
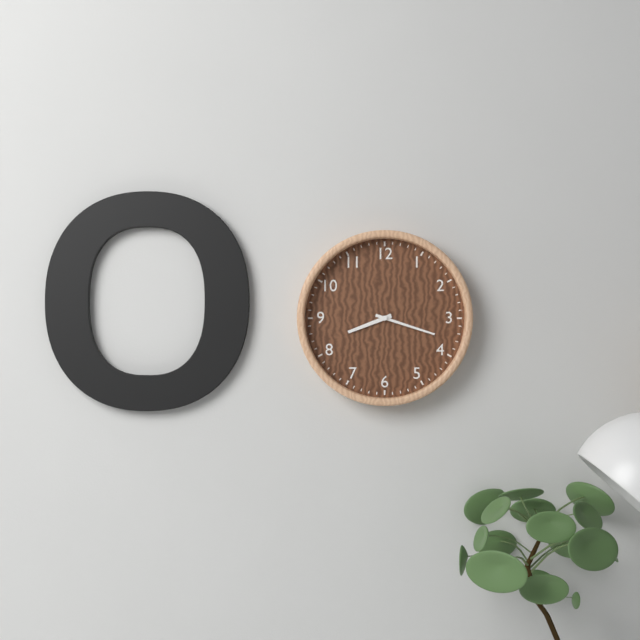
8:18
